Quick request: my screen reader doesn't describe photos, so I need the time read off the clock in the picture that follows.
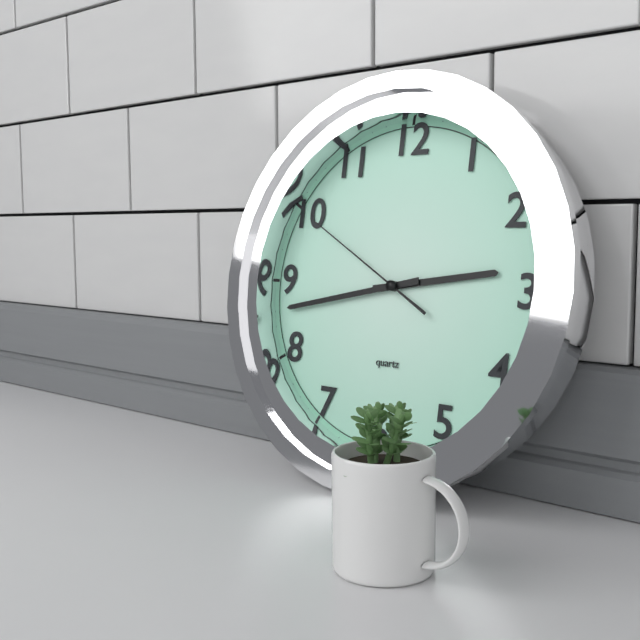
2:43:50
